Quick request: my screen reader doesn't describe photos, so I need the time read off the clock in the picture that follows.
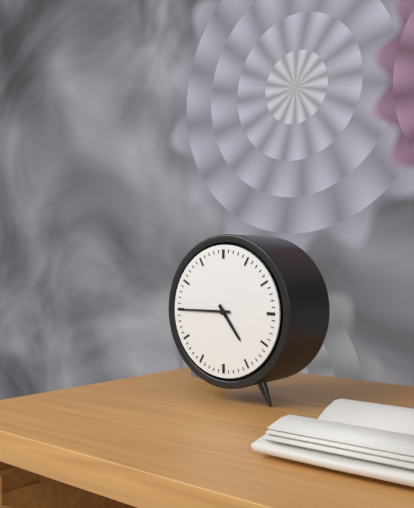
4:45
